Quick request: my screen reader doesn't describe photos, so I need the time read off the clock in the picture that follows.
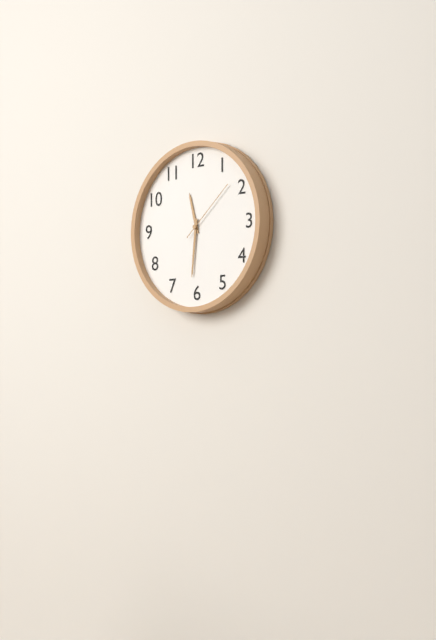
11:31:08
